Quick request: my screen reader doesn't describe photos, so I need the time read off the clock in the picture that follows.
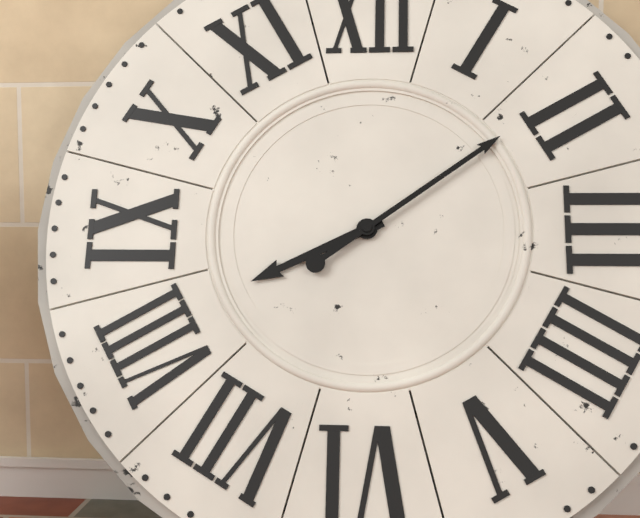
8:09
